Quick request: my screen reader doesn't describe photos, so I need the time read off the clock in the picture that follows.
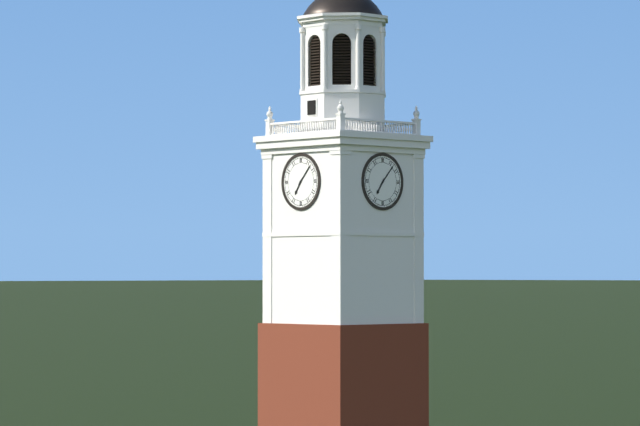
7:07
